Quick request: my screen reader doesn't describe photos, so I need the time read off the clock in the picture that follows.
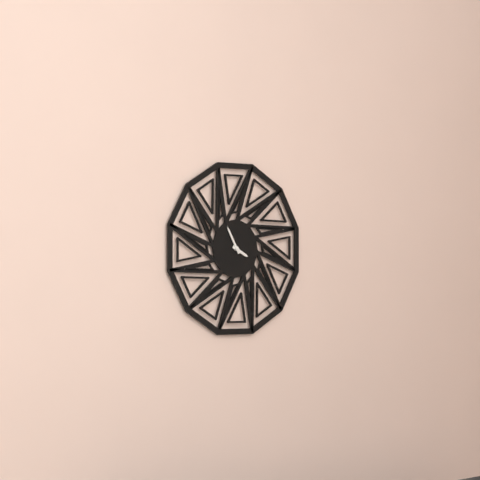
3:55
